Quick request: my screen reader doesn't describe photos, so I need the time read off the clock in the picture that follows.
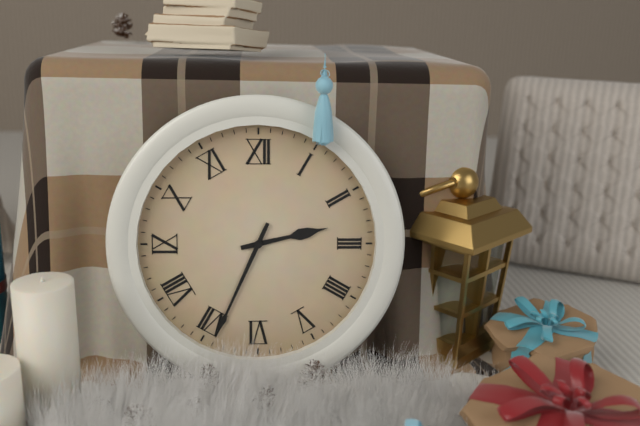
2:34
